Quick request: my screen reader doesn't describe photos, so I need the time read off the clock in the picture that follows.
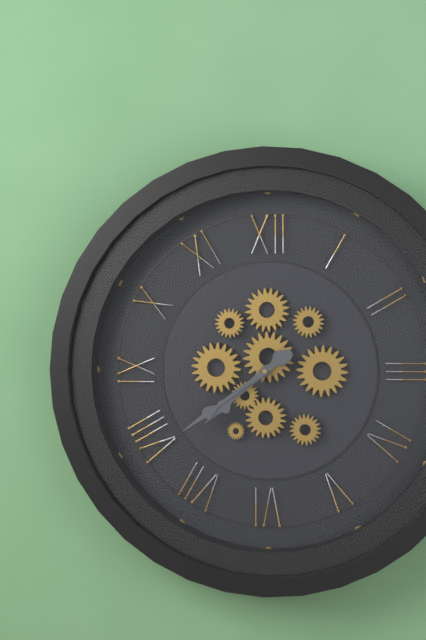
7:39
